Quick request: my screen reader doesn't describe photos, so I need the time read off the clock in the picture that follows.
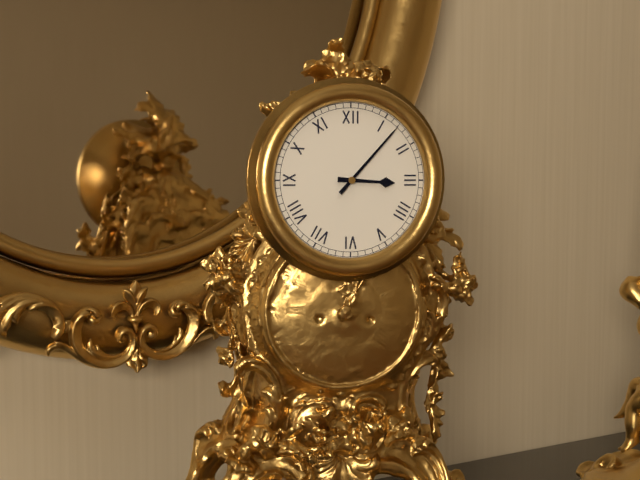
3:07
